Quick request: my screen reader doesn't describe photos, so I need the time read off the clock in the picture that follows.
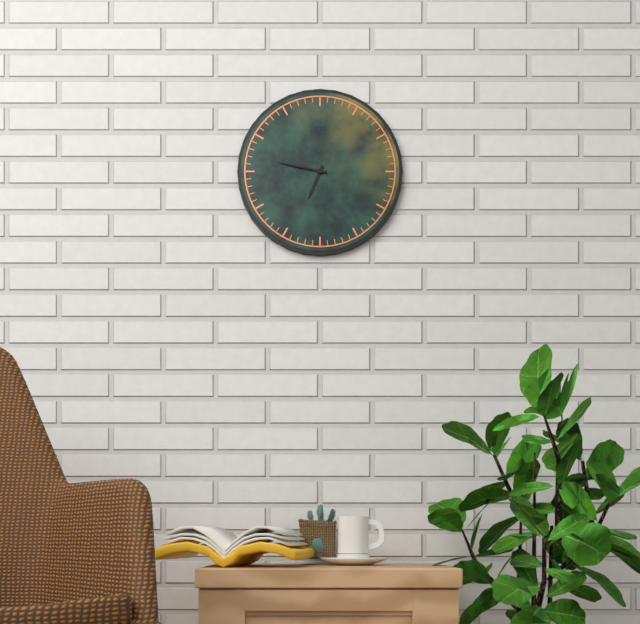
6:47
